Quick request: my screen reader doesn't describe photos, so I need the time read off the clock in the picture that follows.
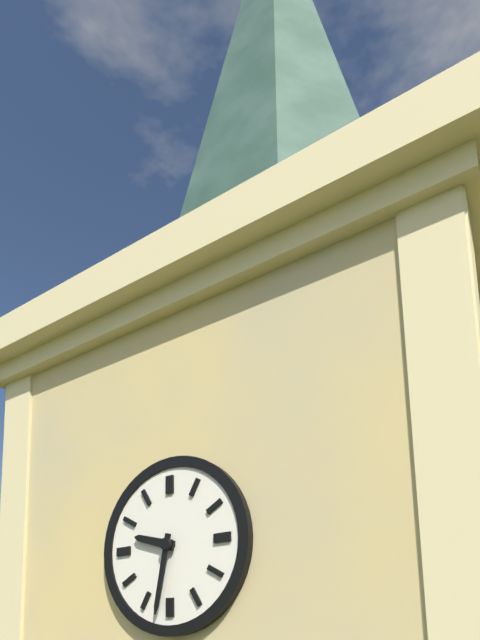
9:32
